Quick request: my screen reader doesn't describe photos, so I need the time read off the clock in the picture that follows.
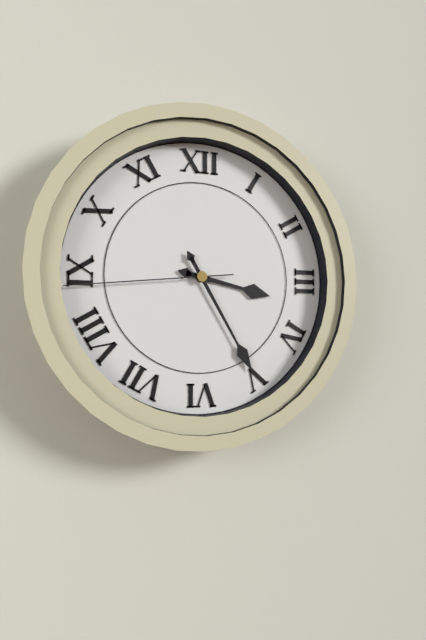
3:25:44
